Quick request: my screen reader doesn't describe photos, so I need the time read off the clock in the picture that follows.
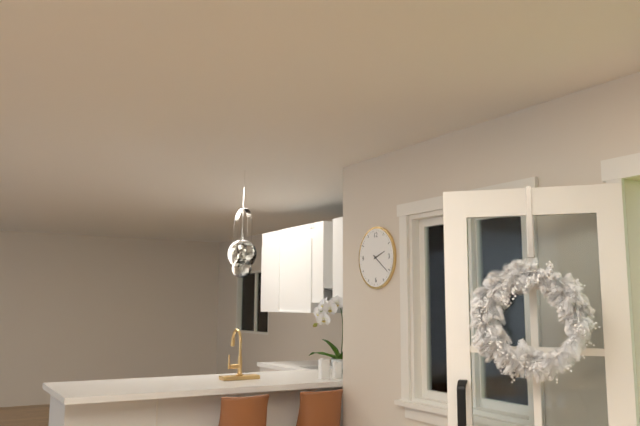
2:21
